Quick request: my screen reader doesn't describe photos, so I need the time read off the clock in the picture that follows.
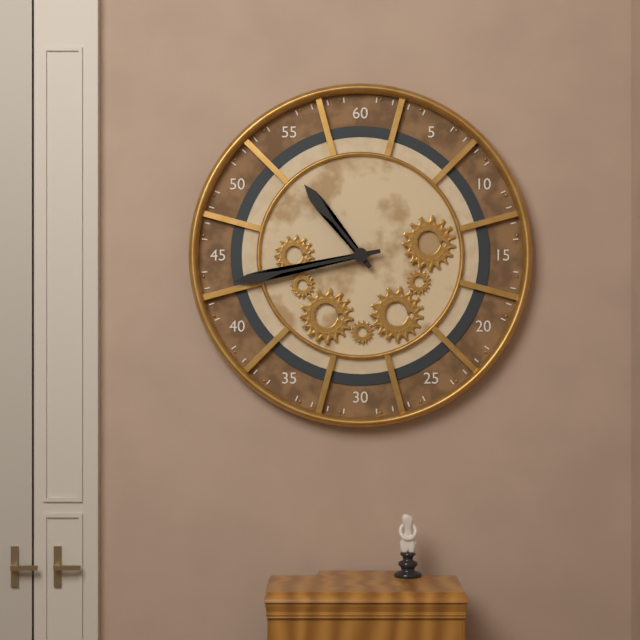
10:43
